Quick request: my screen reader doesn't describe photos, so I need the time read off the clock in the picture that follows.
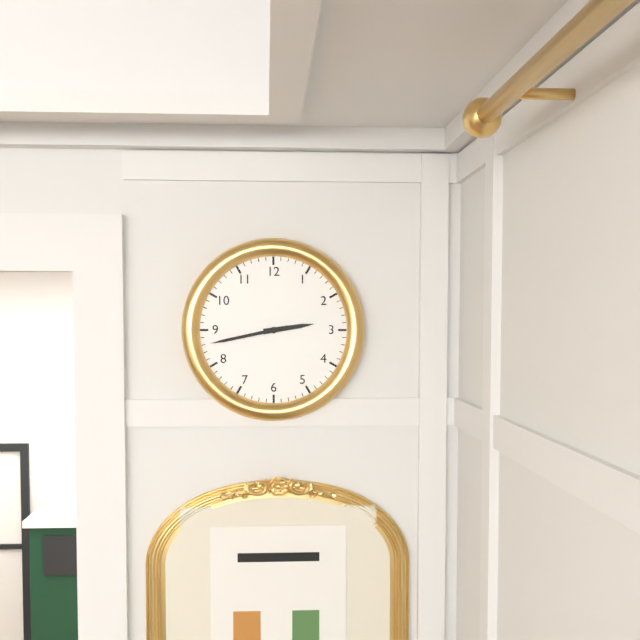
2:43
